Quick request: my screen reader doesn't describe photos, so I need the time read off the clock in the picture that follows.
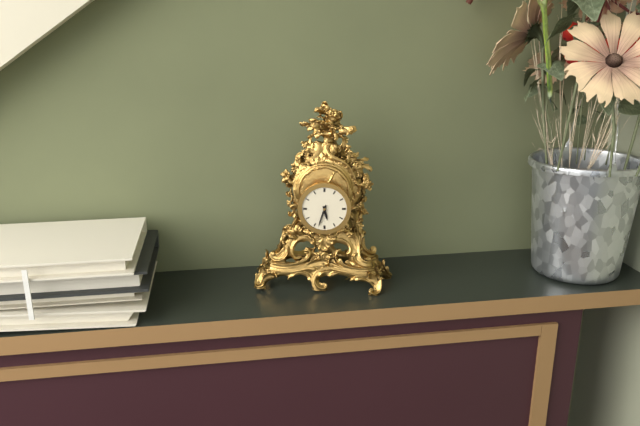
5:33
